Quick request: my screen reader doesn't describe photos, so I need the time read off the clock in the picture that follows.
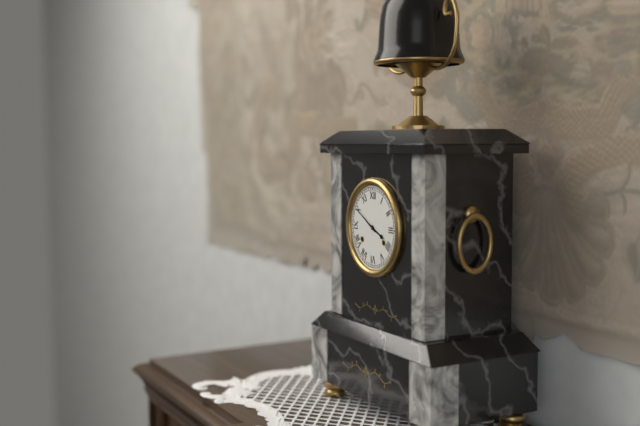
3:50
